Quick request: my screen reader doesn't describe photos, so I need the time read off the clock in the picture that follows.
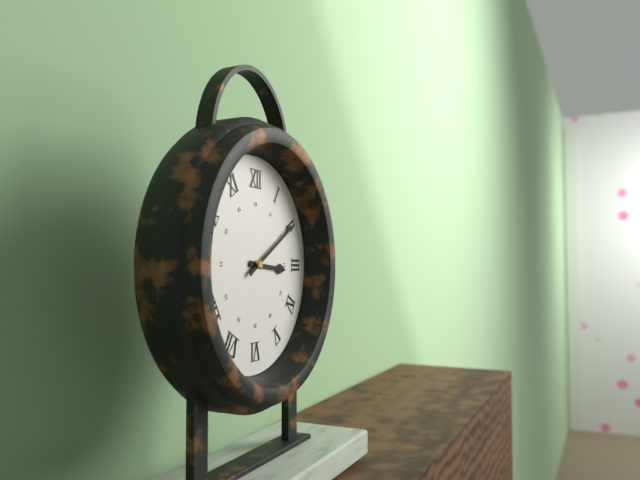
3:10
